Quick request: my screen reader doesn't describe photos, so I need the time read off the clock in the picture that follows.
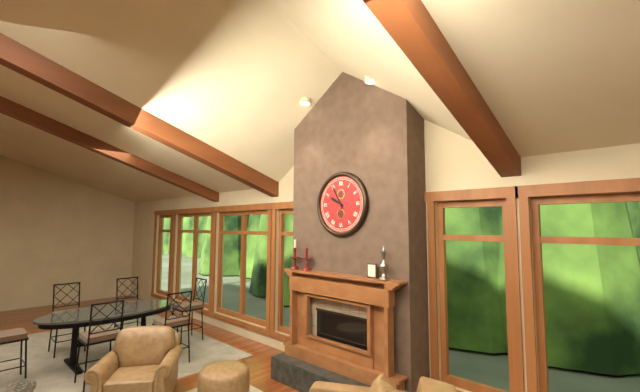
9:55
